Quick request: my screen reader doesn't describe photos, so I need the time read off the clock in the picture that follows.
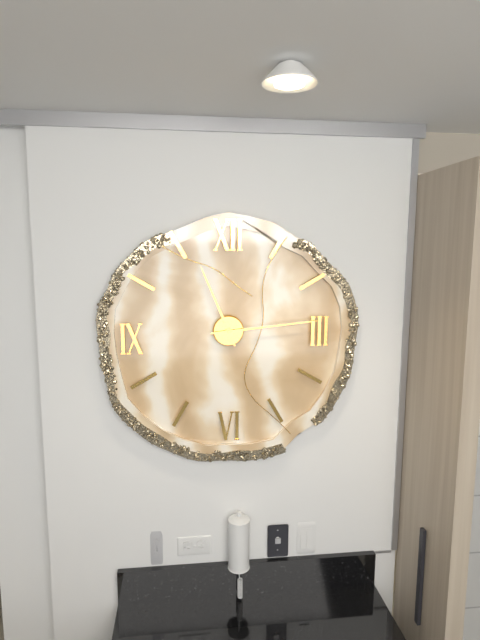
11:14
